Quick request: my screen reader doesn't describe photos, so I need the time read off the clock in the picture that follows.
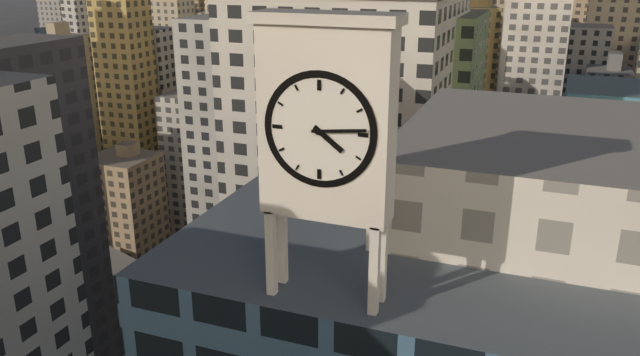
4:14
